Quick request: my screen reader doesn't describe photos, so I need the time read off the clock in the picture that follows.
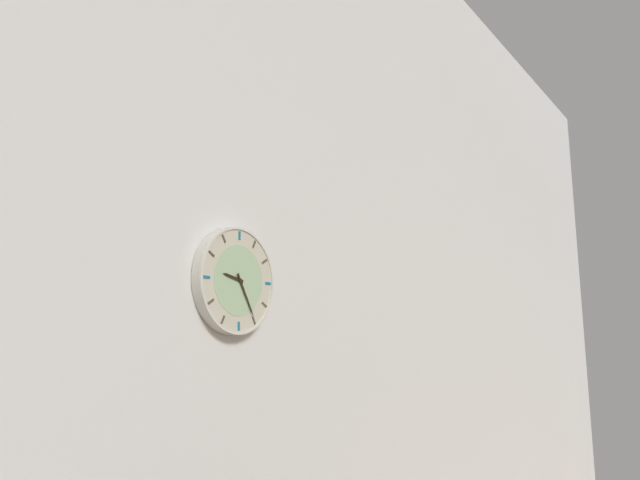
9:25
